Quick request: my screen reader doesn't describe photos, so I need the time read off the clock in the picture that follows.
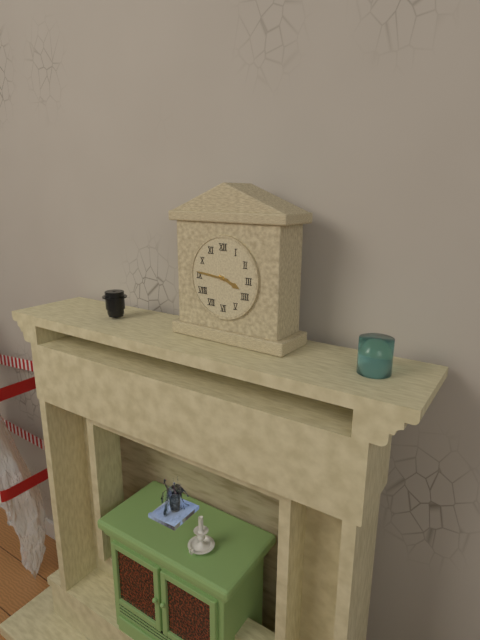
3:46
